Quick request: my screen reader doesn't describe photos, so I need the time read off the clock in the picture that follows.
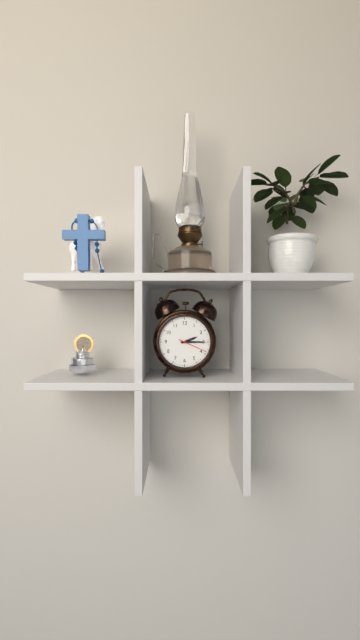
2:15
